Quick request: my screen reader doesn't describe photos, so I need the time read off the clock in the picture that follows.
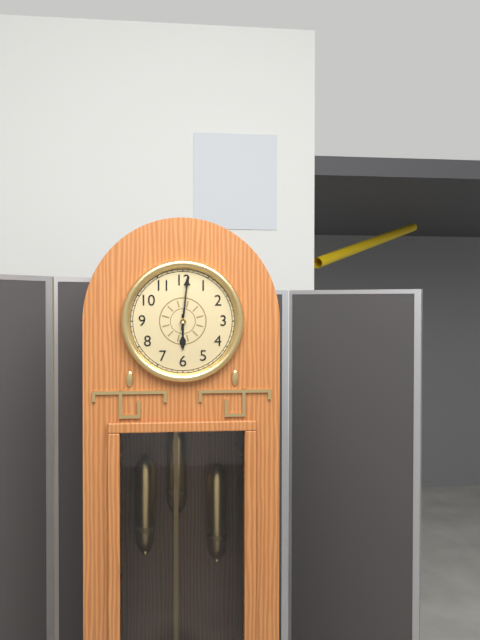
6:01
